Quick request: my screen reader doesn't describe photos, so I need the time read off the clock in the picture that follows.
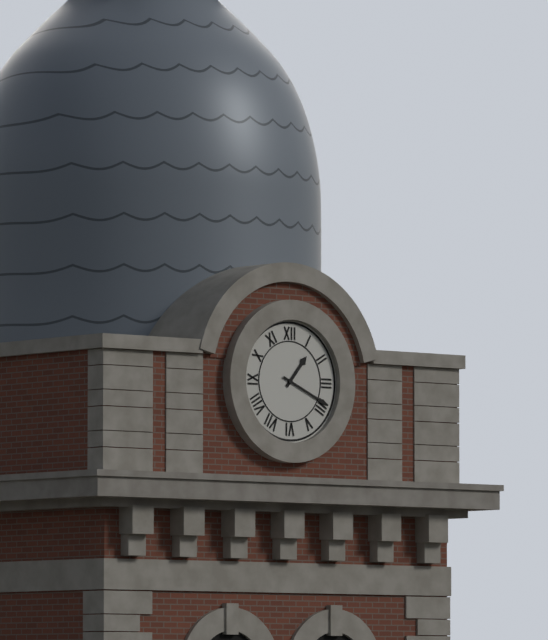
1:19
